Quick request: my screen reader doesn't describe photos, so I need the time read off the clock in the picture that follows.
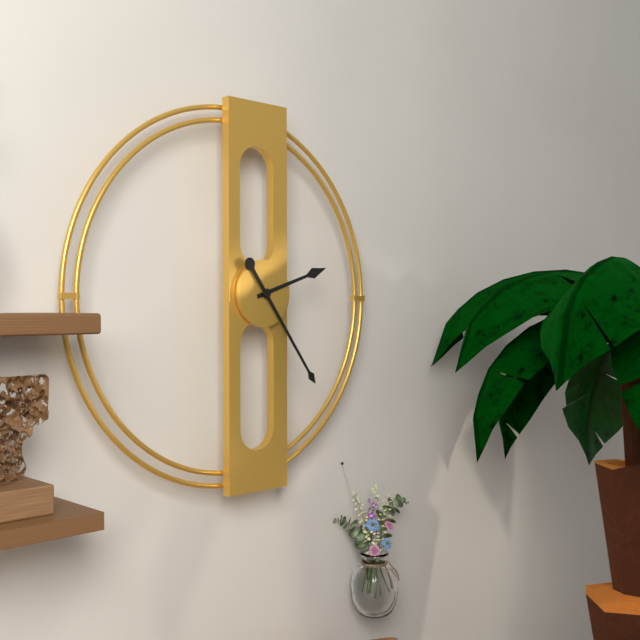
2:24
